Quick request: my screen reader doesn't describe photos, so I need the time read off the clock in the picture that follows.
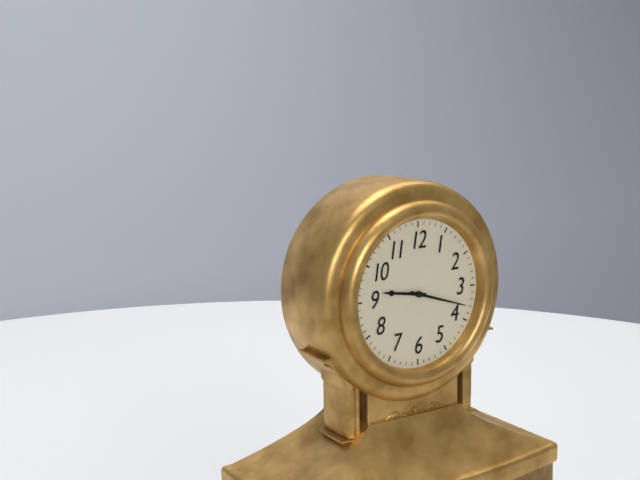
9:18
